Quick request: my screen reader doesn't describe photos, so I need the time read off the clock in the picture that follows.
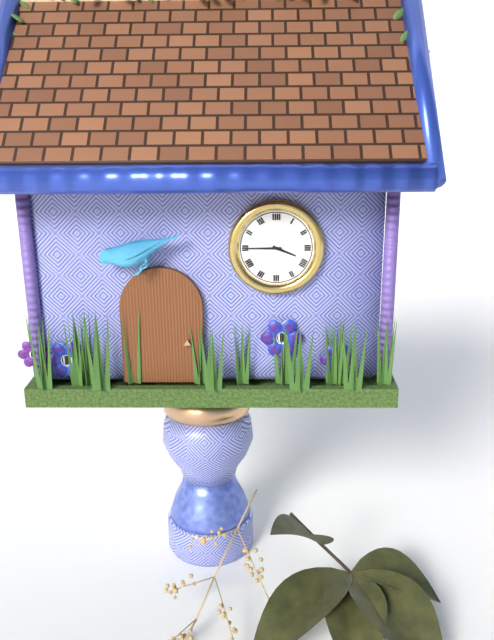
3:45
